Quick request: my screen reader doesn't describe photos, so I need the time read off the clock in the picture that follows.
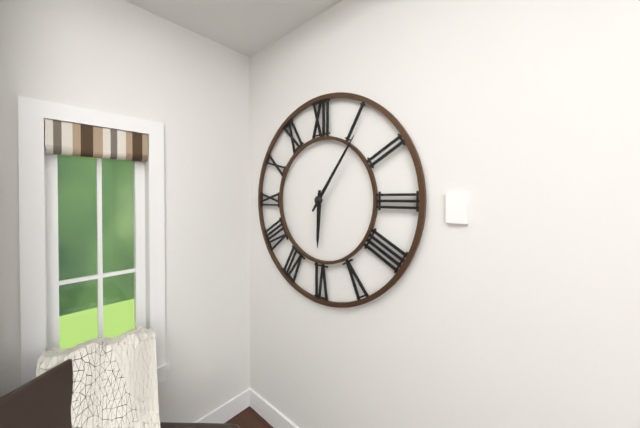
6:06
